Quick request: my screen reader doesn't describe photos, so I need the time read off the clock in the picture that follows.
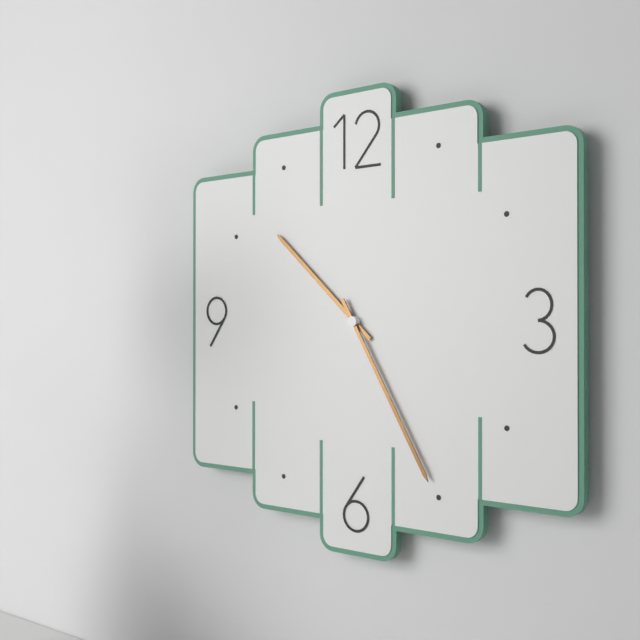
10:25
